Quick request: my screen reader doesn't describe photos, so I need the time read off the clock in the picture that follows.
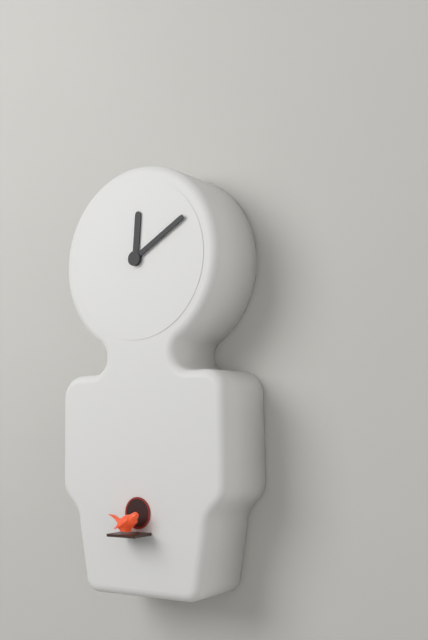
12:10
